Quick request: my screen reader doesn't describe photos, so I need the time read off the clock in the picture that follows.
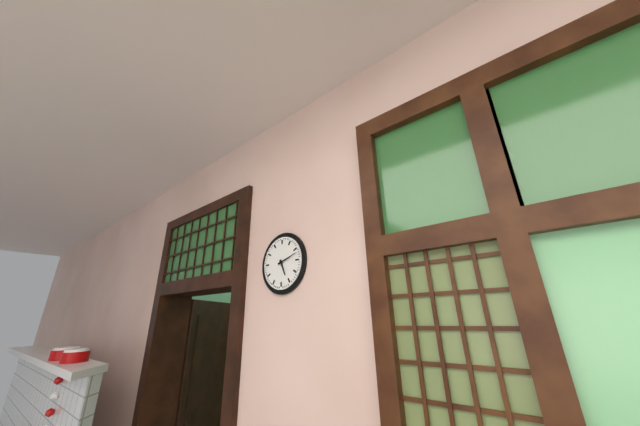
5:12
